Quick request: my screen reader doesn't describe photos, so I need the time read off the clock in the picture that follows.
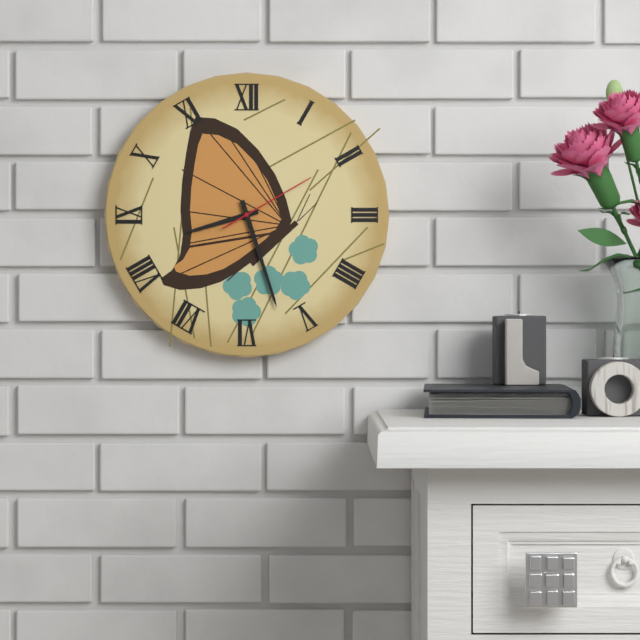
8:27:10
